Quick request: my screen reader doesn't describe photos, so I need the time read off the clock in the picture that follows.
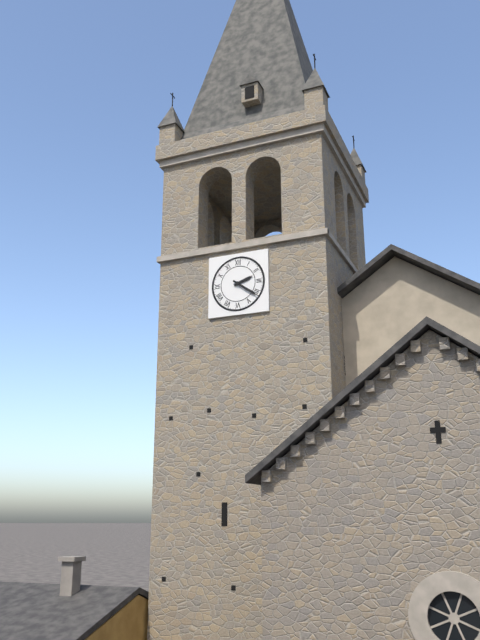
2:21
